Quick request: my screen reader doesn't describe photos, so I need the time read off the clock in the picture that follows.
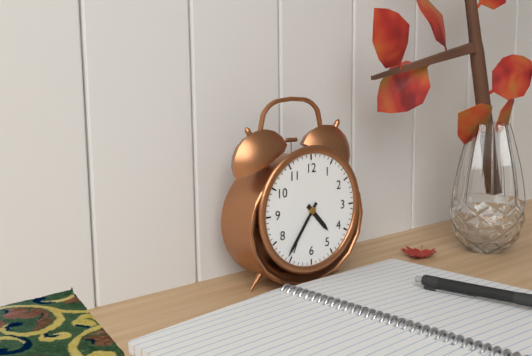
4:36
